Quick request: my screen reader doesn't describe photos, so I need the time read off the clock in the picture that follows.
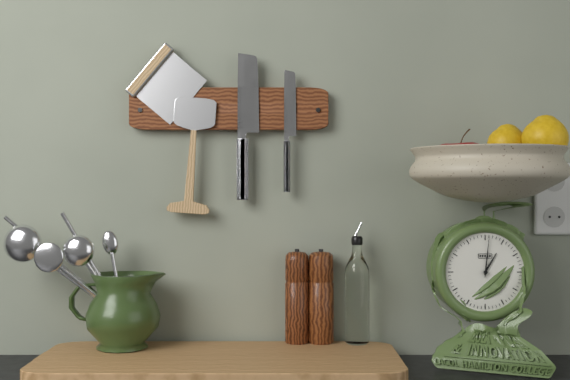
1:01
